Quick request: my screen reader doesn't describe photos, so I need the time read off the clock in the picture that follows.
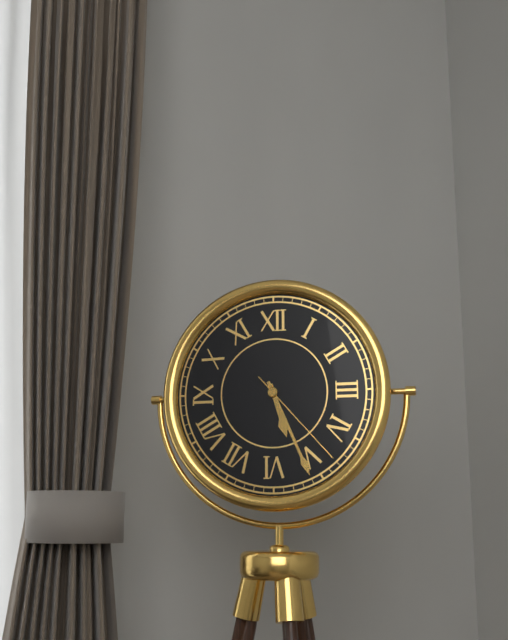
5:26:23
